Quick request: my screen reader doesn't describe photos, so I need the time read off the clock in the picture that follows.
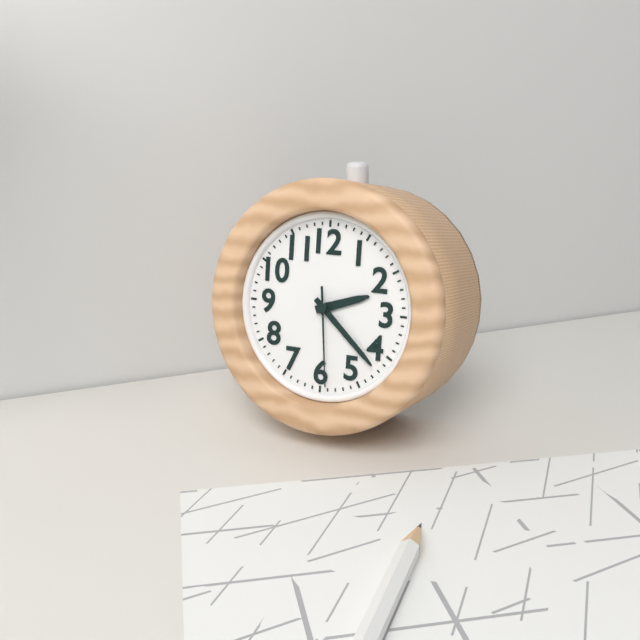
2:22:29
